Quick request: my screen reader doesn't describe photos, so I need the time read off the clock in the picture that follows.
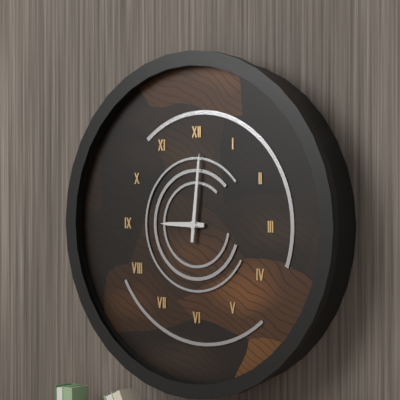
9:01
